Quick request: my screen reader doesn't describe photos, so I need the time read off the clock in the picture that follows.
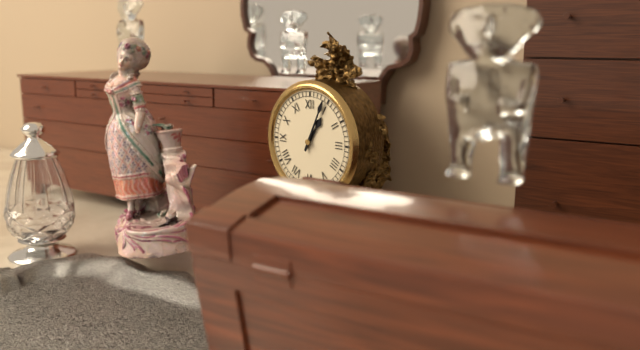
1:04
